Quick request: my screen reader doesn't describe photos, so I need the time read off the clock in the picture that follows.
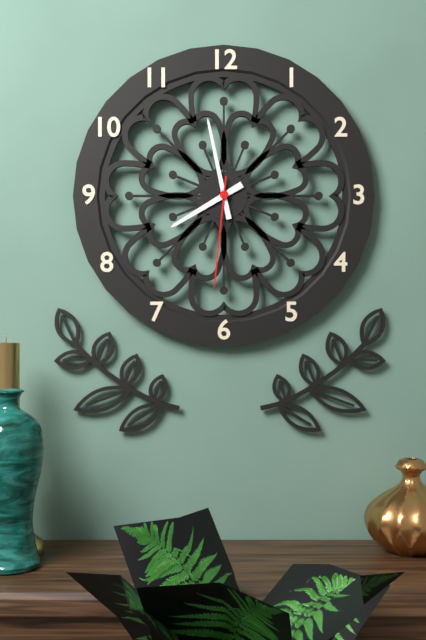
7:58:31
